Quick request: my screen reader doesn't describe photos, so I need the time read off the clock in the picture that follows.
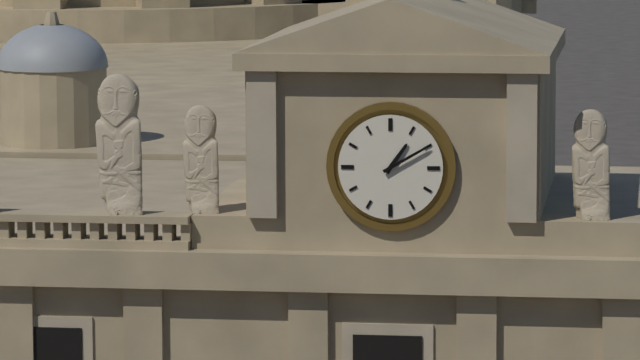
1:10
